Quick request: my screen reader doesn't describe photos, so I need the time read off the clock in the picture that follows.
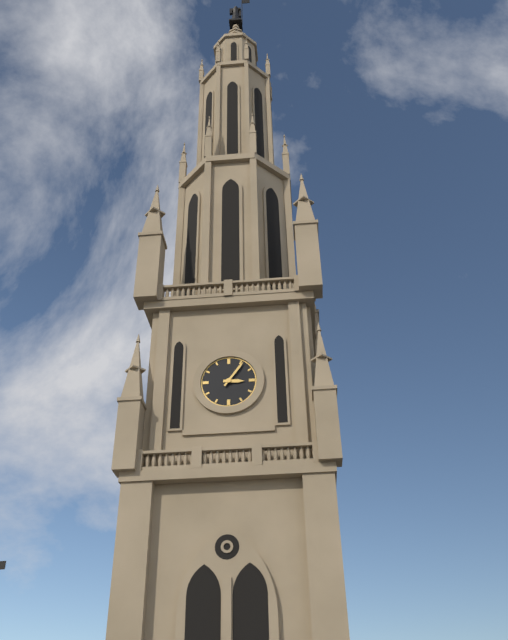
3:06
